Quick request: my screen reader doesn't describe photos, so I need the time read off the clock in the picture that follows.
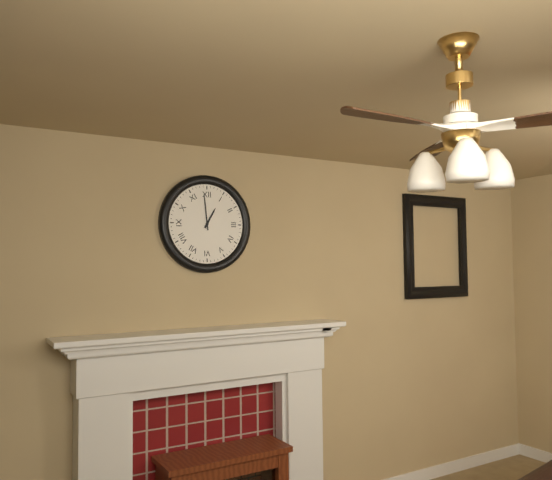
12:59
